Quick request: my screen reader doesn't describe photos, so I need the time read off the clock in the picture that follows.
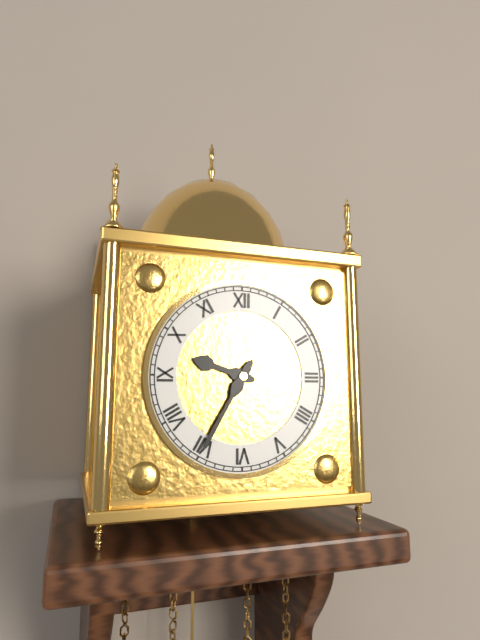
9:35
